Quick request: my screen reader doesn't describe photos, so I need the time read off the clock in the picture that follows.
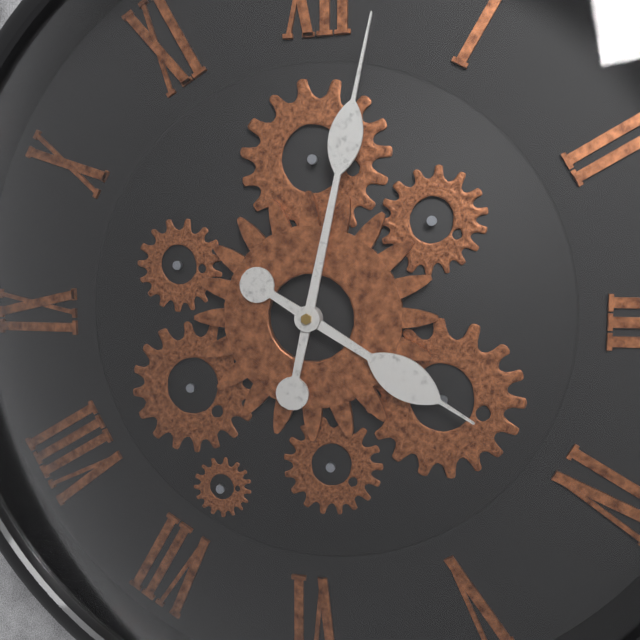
4:02
